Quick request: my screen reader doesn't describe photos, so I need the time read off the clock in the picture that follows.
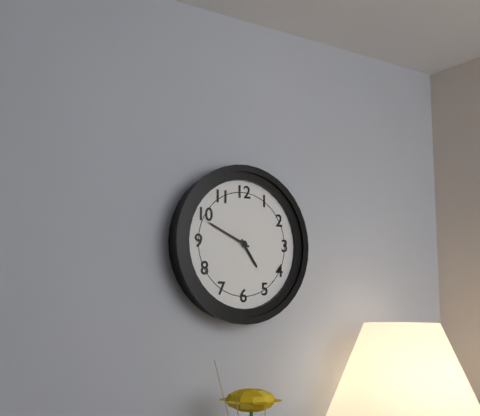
4:49
